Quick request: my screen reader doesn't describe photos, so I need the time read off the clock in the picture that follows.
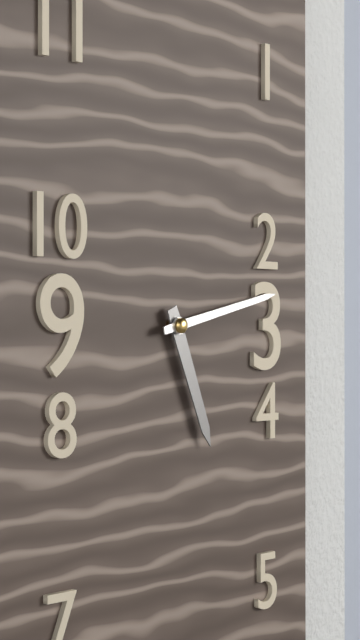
5:13
